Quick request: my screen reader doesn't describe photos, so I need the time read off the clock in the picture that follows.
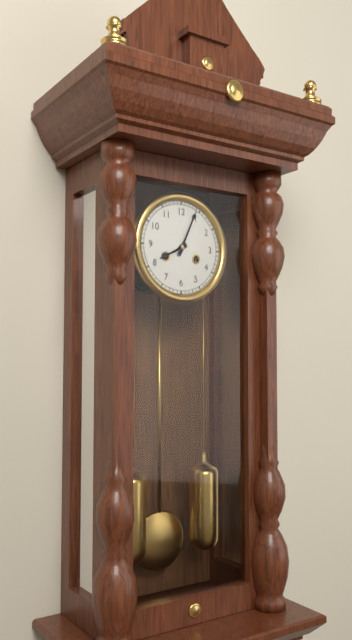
8:04
